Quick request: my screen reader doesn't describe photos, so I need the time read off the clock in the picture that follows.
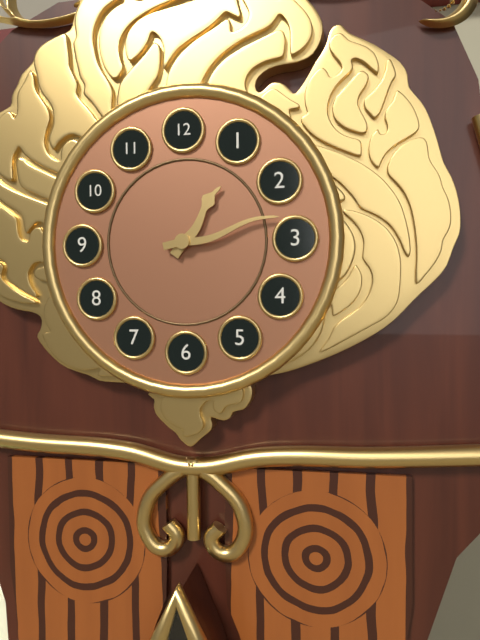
1:13
